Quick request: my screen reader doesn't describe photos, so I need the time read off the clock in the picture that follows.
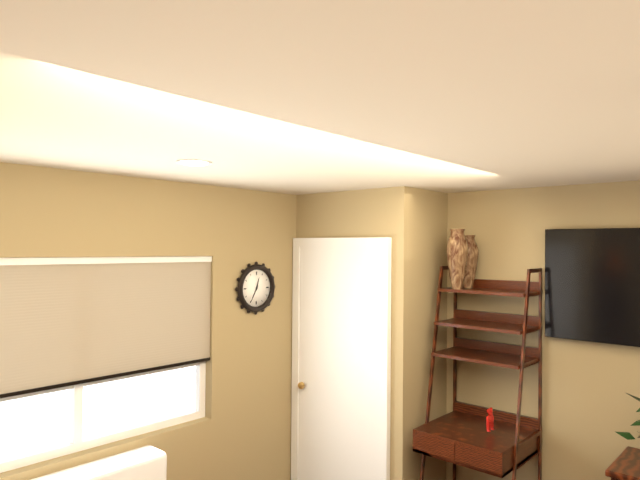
12:35
